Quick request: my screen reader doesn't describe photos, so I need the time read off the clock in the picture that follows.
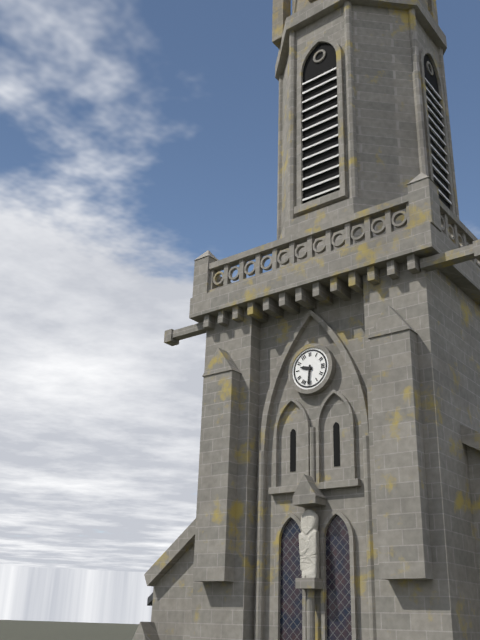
9:31
